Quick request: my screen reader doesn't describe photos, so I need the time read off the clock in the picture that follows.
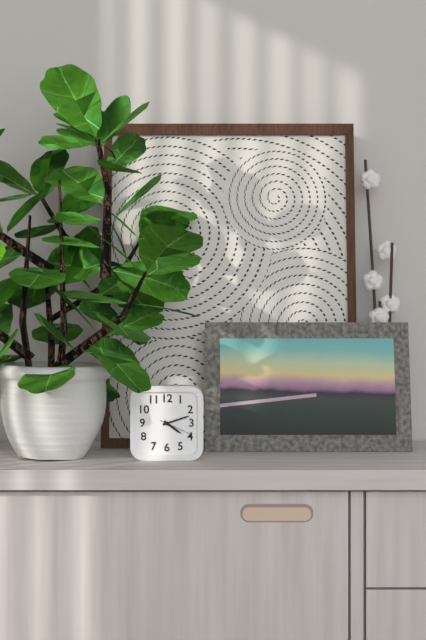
4:12
